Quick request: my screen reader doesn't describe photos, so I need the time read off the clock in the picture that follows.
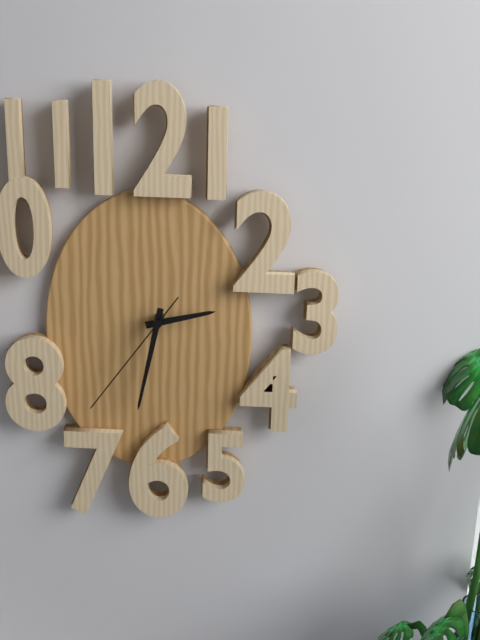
2:32:36
